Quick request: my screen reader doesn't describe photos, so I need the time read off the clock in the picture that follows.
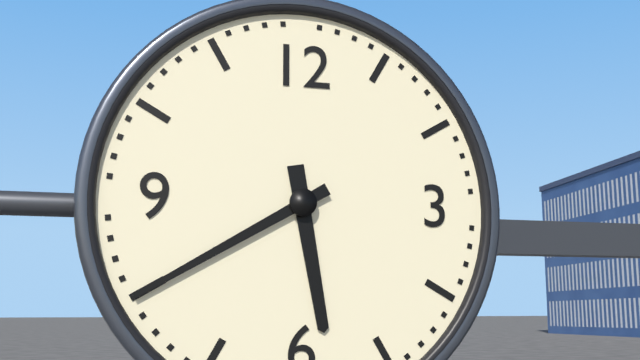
5:40
